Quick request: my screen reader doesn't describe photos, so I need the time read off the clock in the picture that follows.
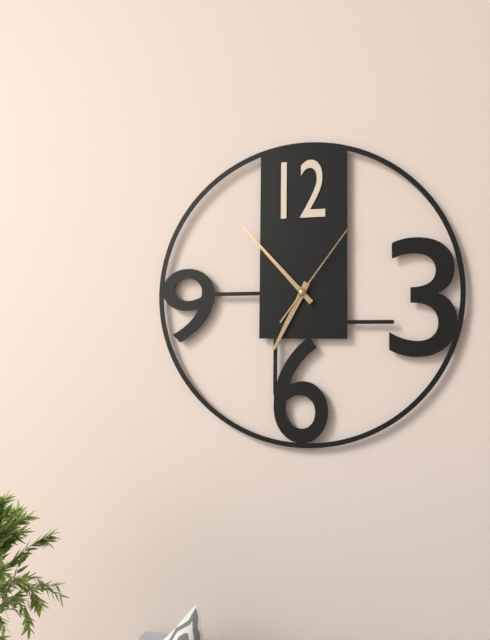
6:53:06
